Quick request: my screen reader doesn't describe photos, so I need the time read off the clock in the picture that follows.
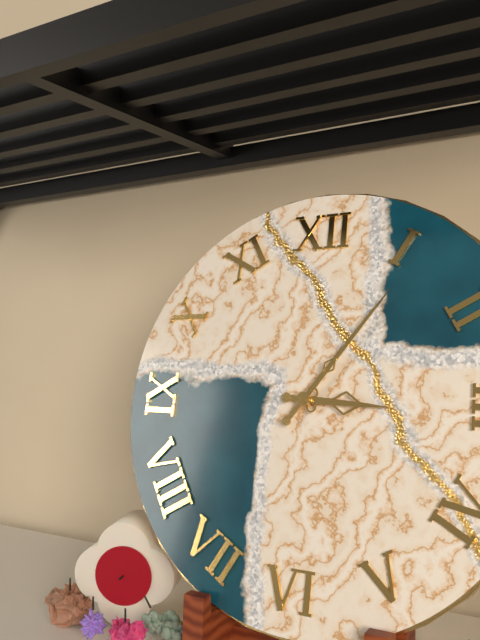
3:06
